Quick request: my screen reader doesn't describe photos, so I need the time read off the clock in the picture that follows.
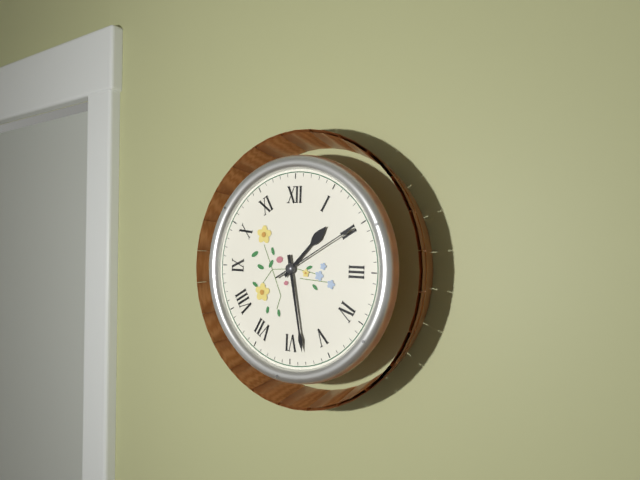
1:28:10
